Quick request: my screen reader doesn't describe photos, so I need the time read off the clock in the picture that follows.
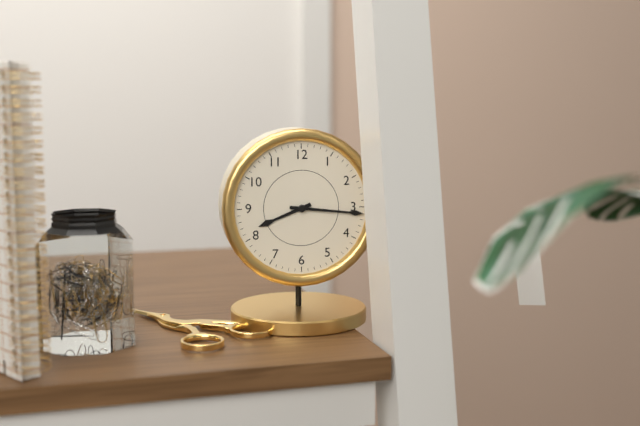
8:16
